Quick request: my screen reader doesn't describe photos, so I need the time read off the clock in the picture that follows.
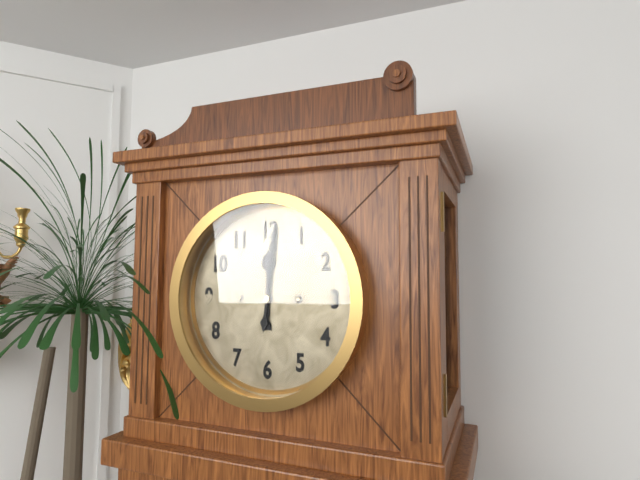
12:01
